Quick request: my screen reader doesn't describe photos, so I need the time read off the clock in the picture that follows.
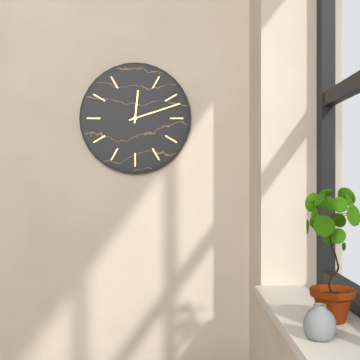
12:12
